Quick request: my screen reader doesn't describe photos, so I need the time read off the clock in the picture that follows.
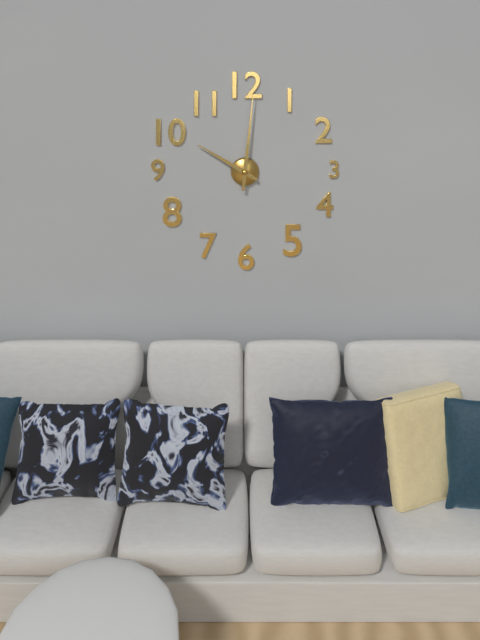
10:01
